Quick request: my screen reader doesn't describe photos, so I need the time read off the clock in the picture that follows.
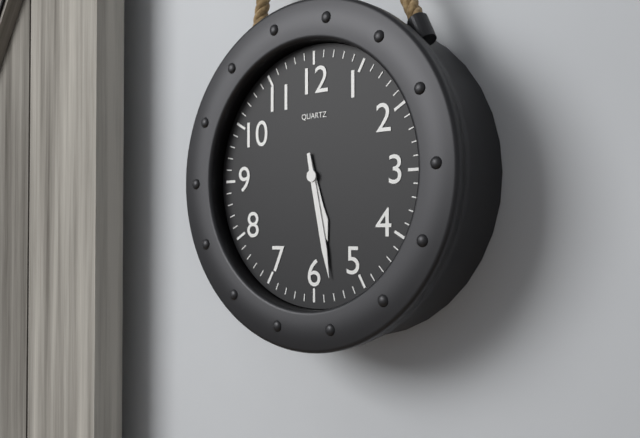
5:28
